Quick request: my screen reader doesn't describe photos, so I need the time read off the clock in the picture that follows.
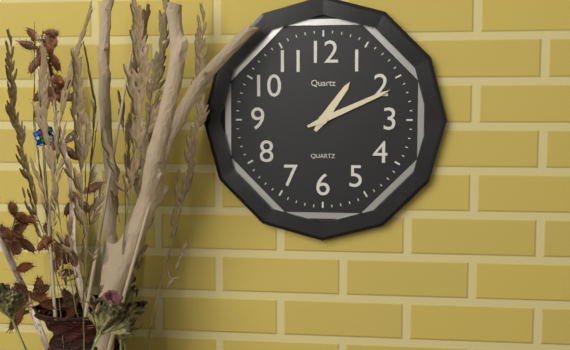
1:11
